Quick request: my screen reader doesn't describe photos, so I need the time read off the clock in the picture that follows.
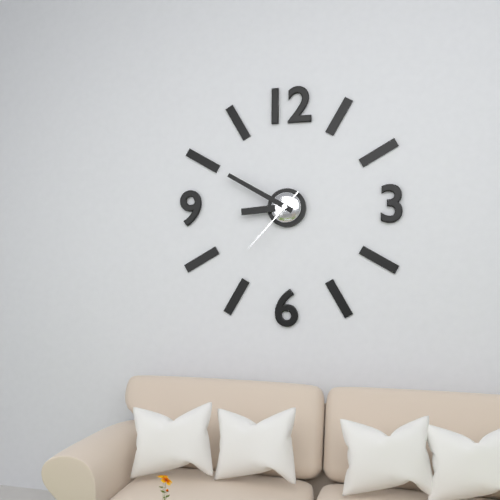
8:50:37
